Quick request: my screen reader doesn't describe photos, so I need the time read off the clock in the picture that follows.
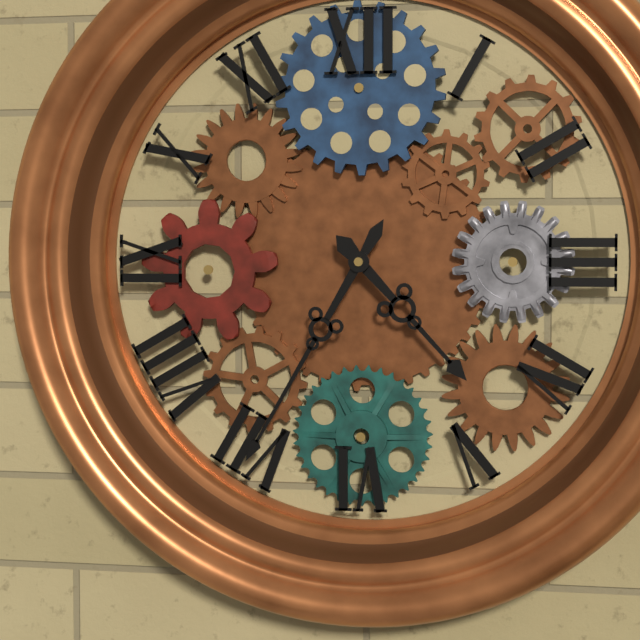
4:35
